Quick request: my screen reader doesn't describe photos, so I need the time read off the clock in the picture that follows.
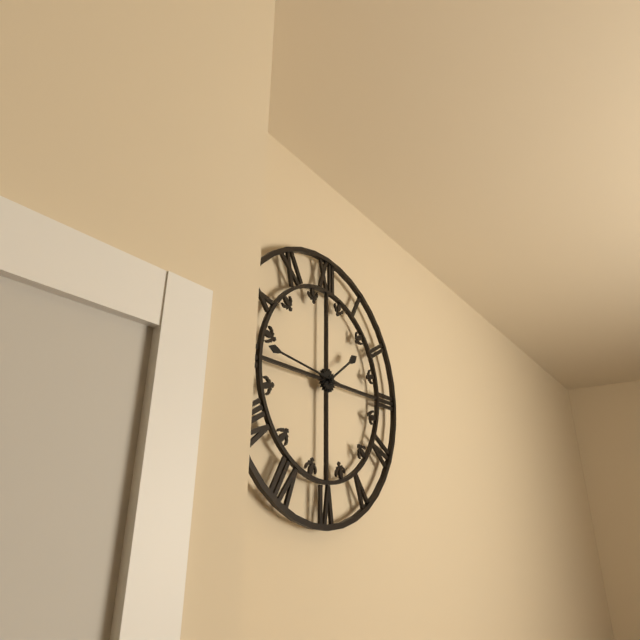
1:46
